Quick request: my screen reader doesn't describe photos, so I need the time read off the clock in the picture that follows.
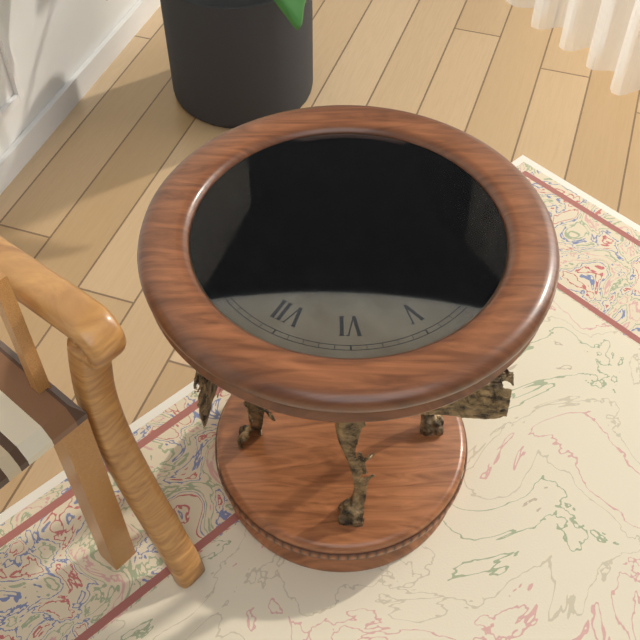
5:53
